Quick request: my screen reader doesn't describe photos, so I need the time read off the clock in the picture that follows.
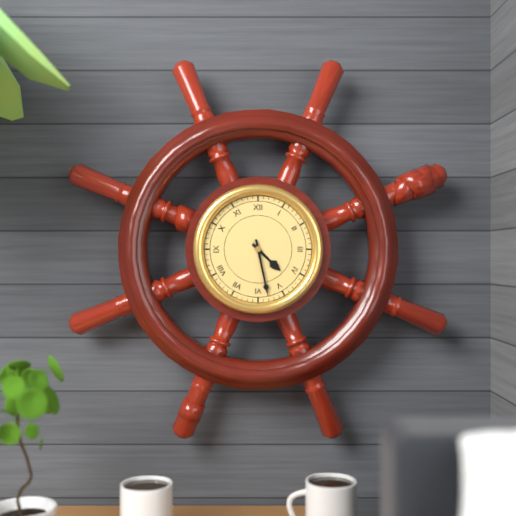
4:28
